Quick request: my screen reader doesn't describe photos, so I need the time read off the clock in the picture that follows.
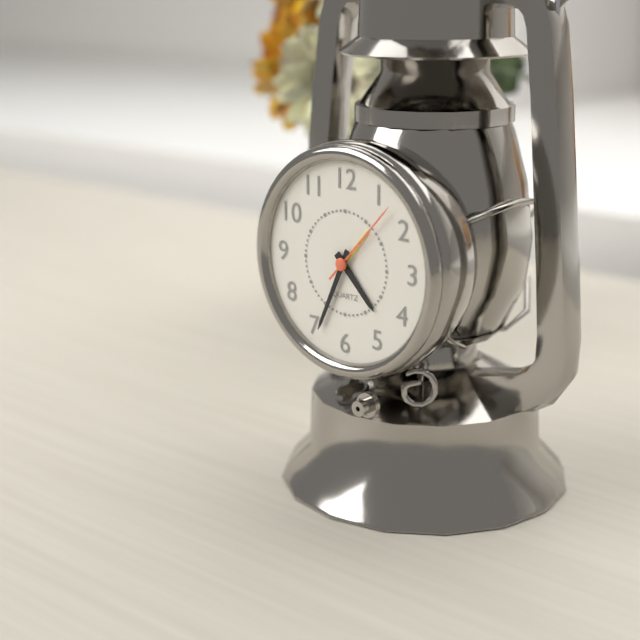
4:34:07
